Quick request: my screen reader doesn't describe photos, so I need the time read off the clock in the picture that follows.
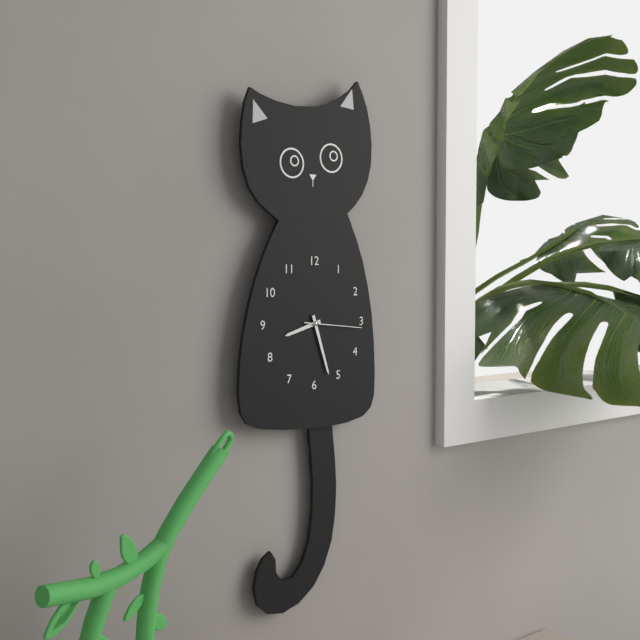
8:27:16
